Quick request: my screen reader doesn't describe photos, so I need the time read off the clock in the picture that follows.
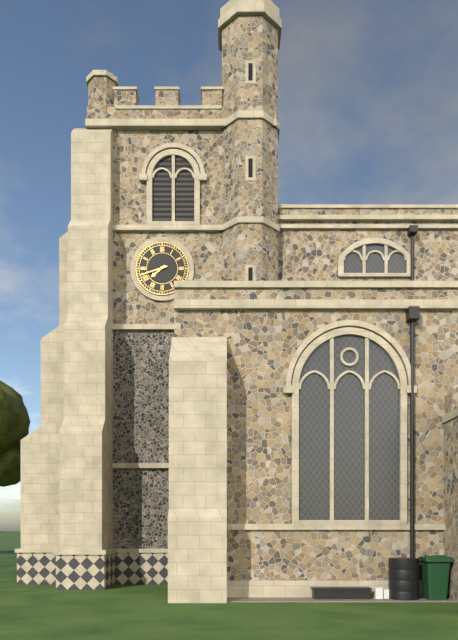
7:42
